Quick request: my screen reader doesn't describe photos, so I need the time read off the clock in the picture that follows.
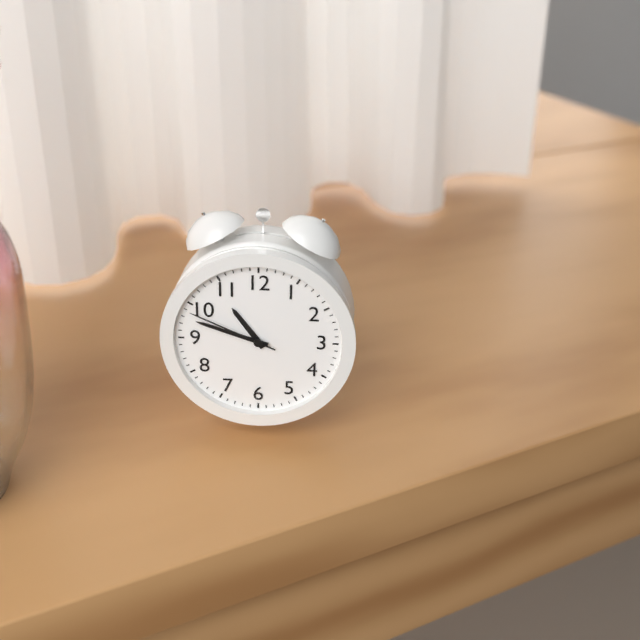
10:48:49
